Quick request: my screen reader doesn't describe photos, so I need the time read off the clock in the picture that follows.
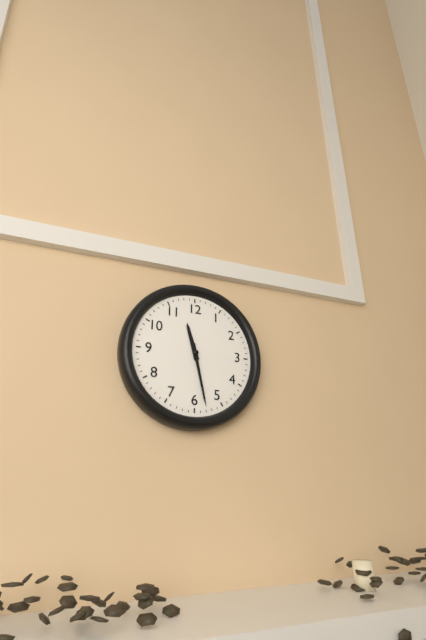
11:28
